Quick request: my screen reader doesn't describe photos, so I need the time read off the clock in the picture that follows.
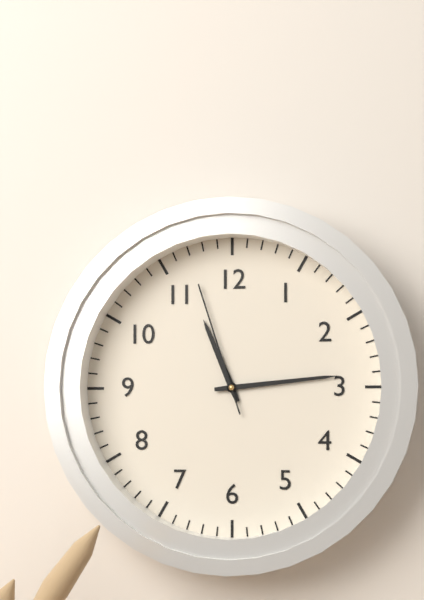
11:14:57
